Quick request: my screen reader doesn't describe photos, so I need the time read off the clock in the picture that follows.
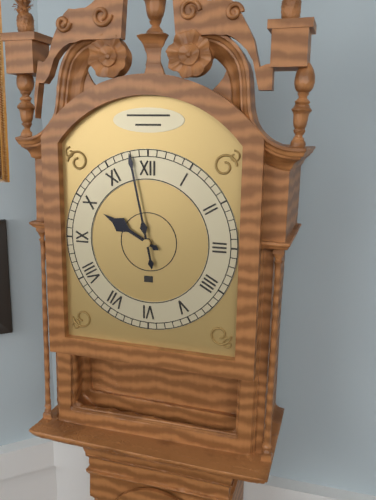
9:58
